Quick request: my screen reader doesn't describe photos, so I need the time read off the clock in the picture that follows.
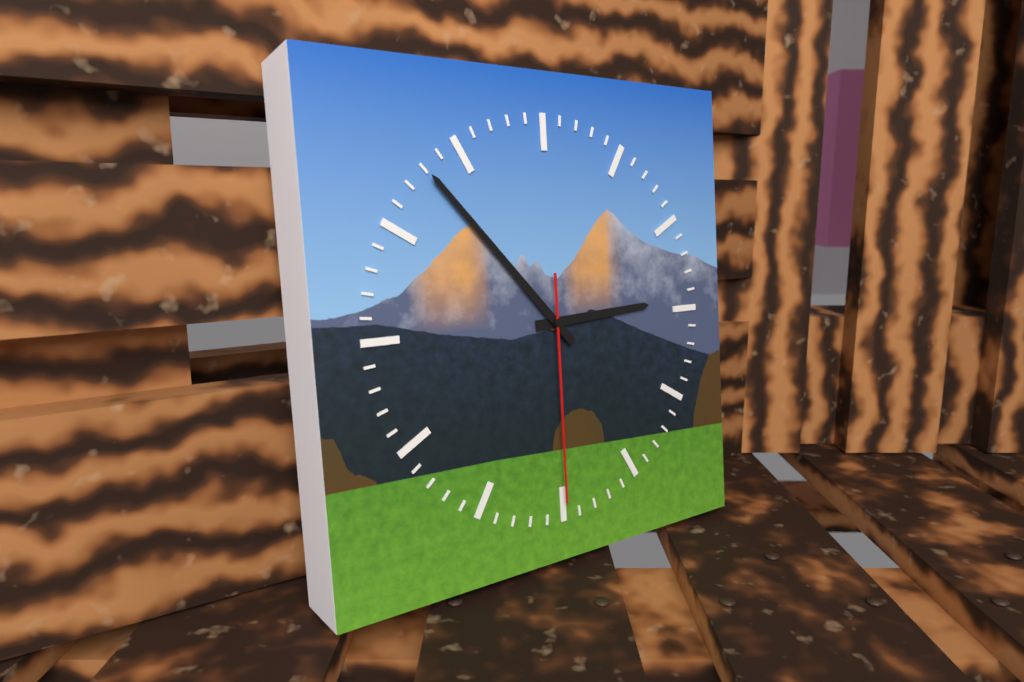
2:53:30
